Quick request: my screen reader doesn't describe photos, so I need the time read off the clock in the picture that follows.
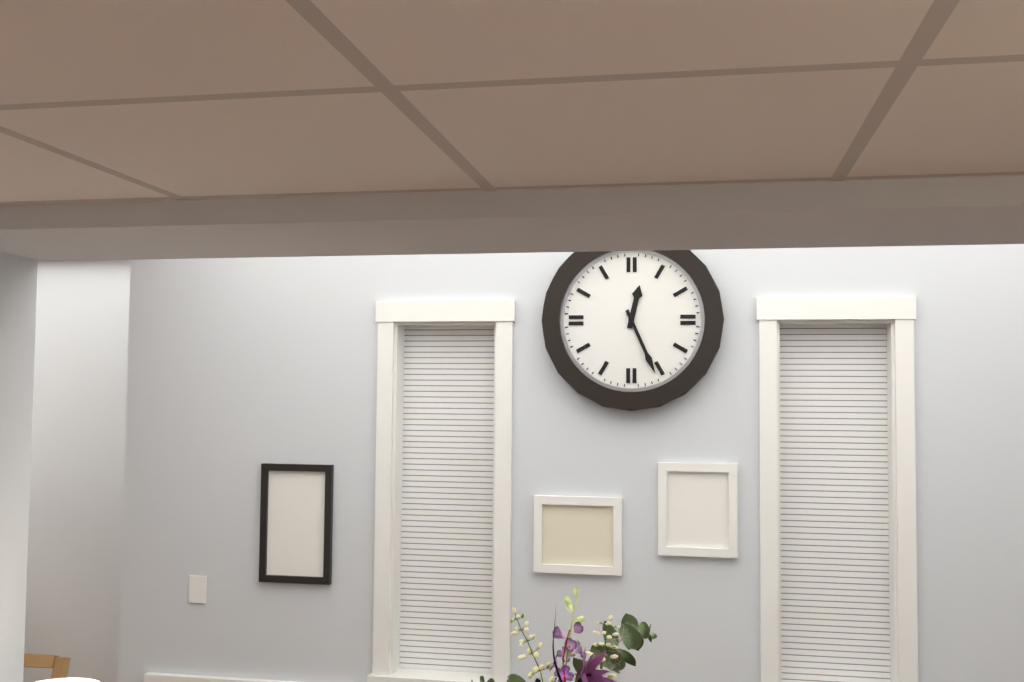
12:26
